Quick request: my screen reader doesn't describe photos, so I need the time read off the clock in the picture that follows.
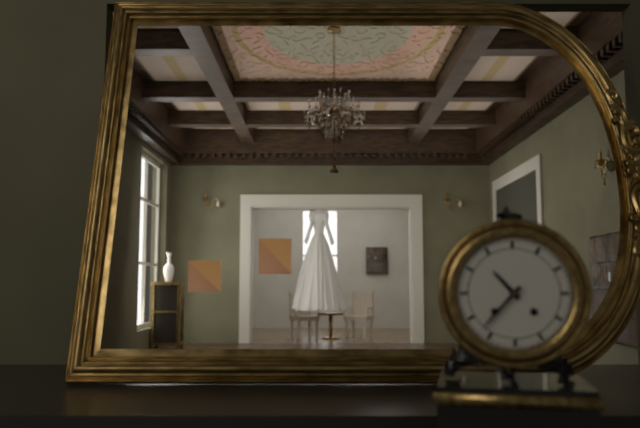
10:37
